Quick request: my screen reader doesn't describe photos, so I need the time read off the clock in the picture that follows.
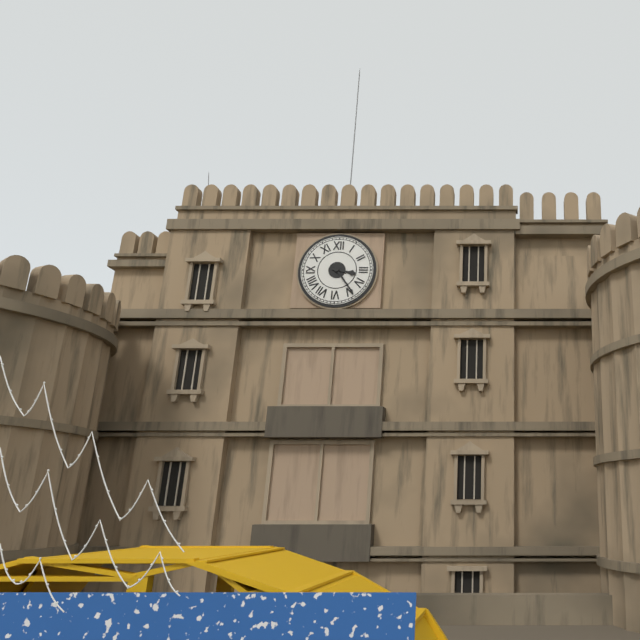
3:24
